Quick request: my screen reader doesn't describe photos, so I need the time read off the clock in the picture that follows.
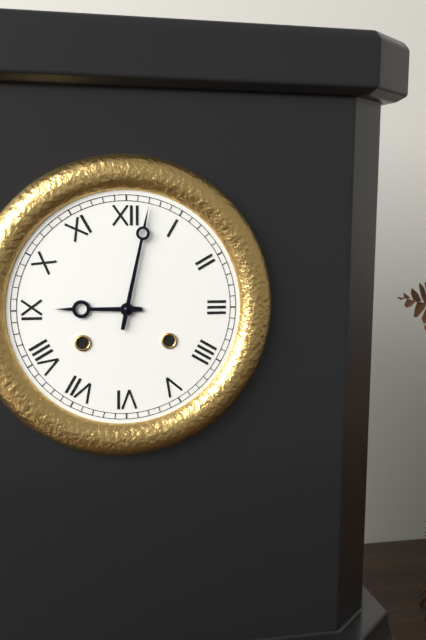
9:02
